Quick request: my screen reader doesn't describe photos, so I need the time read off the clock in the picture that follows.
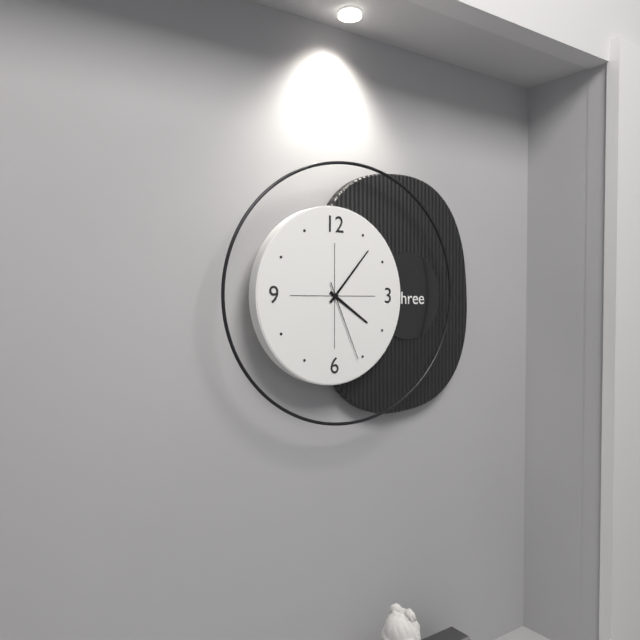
4:07:26
